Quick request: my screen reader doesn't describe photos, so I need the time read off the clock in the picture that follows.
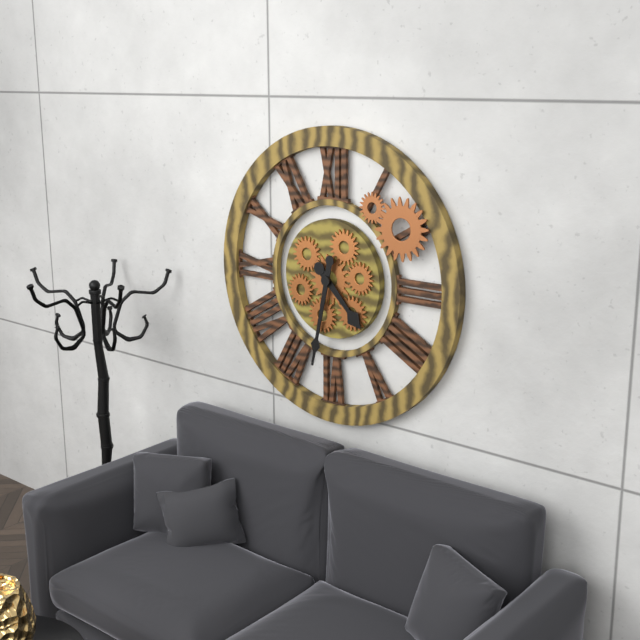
4:32
